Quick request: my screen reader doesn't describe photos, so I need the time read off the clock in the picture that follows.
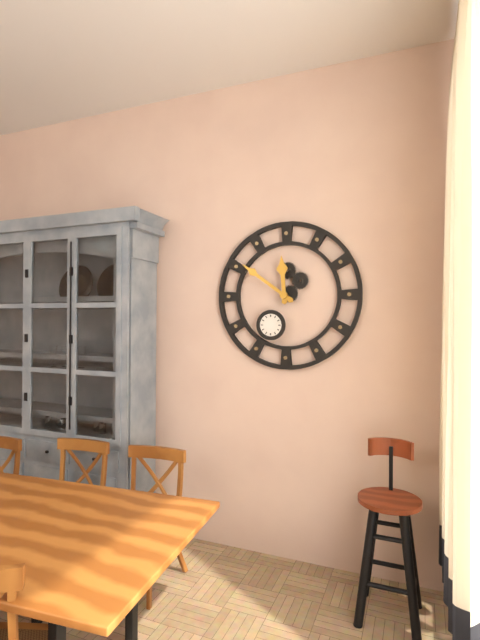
11:51
